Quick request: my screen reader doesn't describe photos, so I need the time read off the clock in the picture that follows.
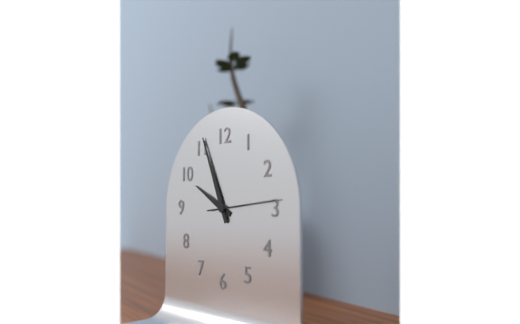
9:56:14
